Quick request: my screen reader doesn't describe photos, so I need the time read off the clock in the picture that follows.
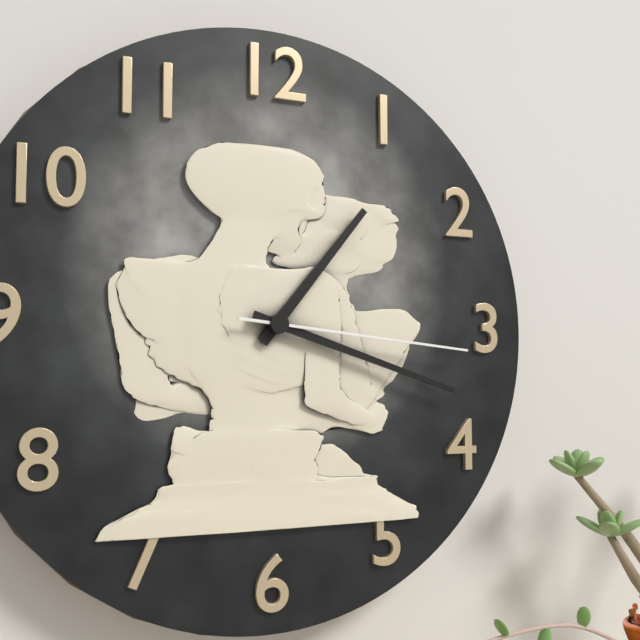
1:18:16
